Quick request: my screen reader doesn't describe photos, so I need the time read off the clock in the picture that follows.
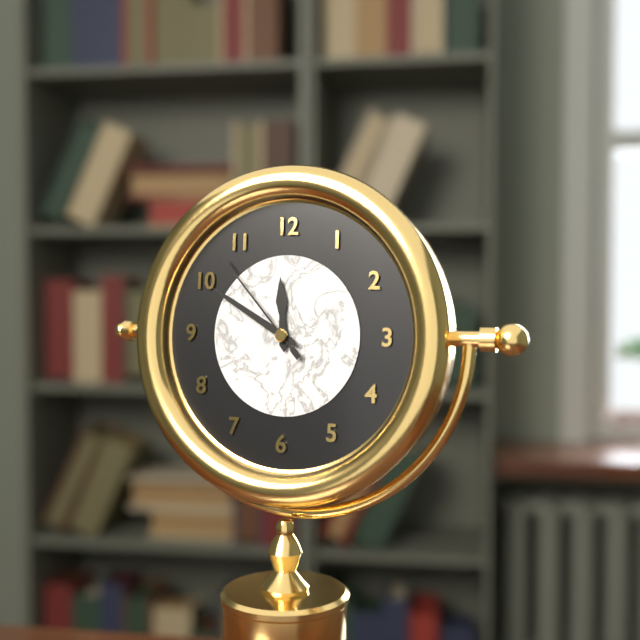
11:50:53
